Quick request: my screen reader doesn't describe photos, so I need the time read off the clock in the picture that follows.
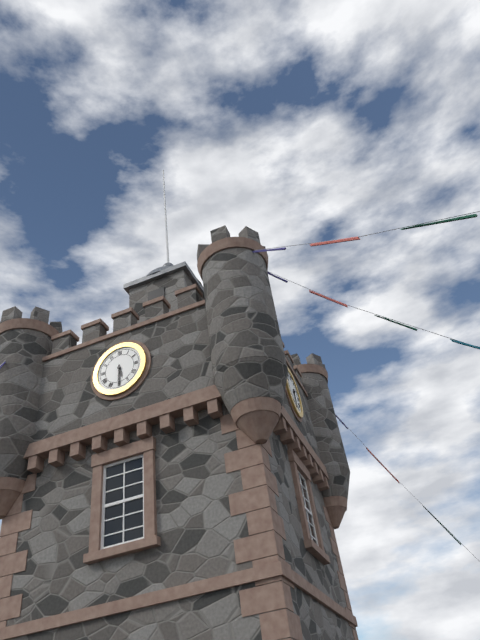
5:30
